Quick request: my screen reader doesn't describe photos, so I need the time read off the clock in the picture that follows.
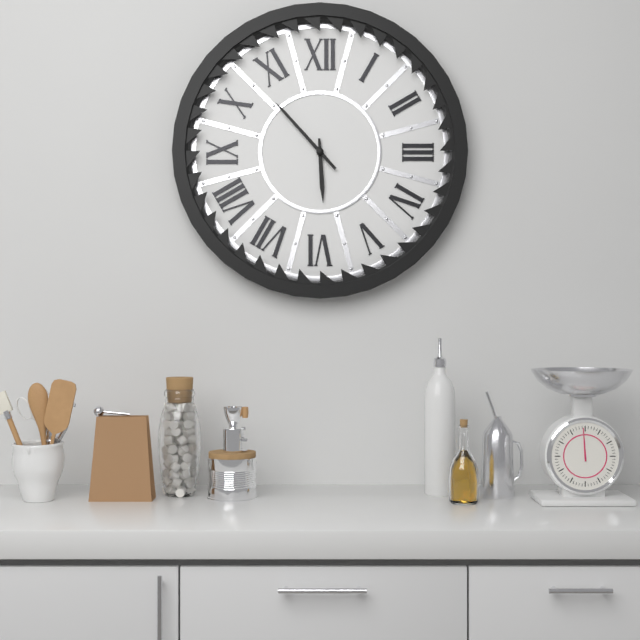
5:53
